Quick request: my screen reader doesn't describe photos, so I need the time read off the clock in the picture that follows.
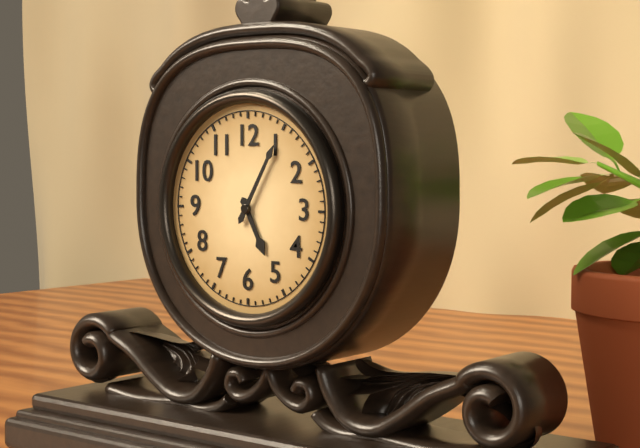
5:05
